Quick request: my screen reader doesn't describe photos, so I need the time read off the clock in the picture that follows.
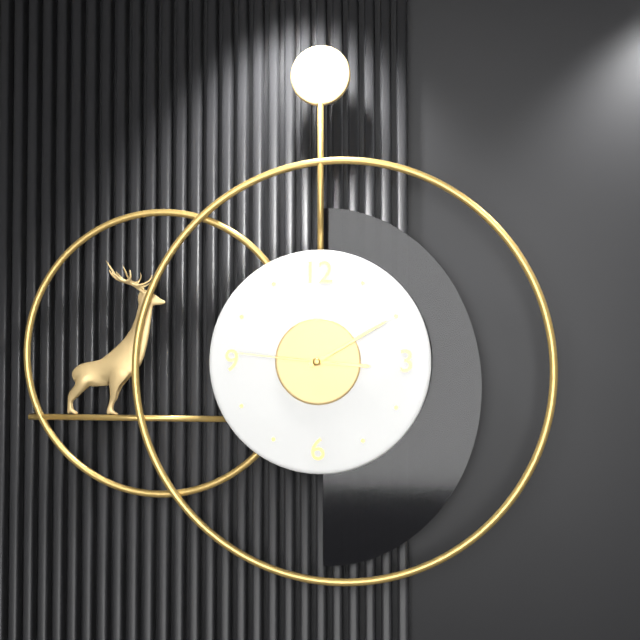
3:10:46
